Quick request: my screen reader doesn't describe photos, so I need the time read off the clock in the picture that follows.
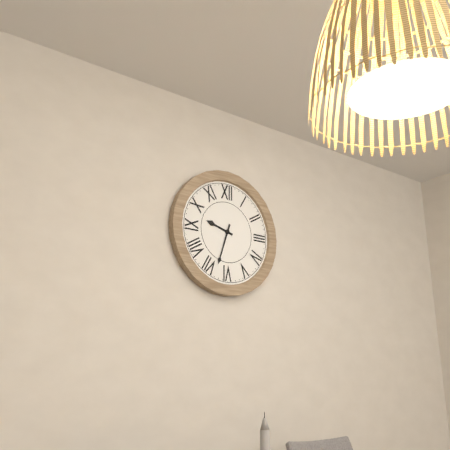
9:33
